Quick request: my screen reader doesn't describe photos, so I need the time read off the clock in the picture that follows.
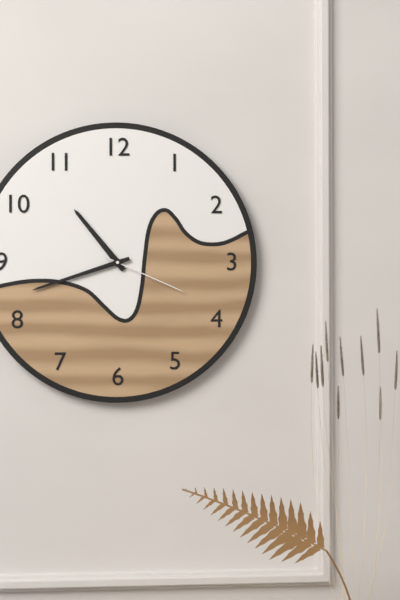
10:42:19
